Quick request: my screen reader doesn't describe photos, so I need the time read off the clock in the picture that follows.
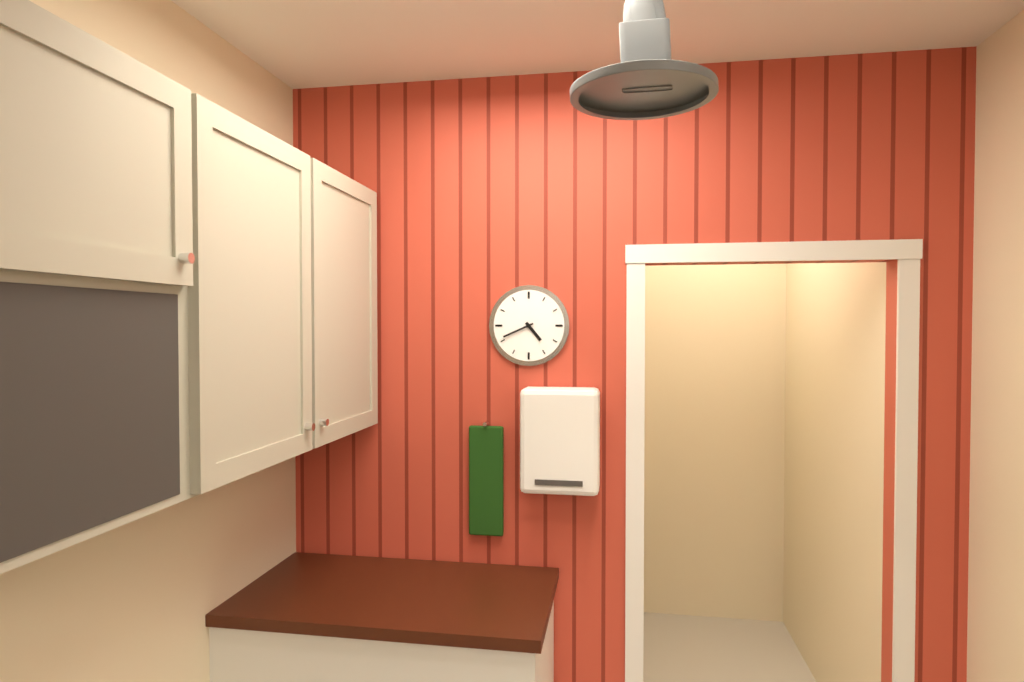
4:41
